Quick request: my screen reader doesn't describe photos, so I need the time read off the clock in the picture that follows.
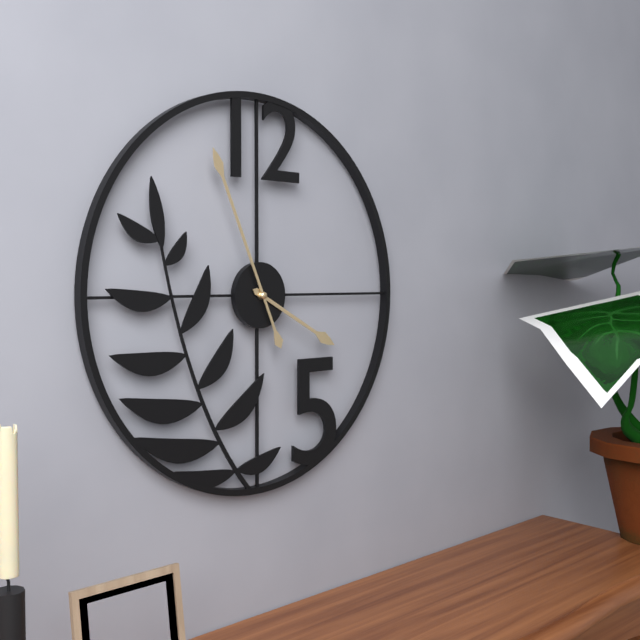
3:56
